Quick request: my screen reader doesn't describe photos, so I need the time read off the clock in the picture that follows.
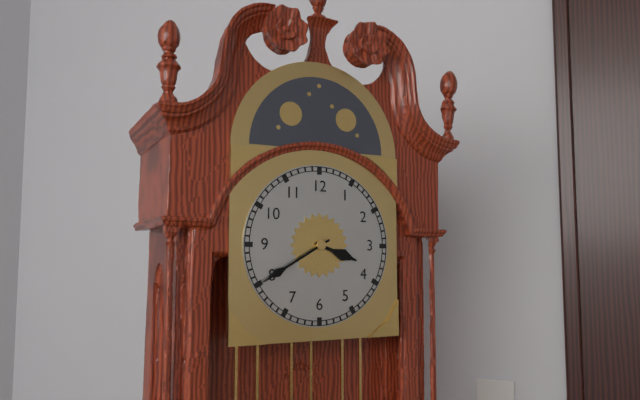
3:40
